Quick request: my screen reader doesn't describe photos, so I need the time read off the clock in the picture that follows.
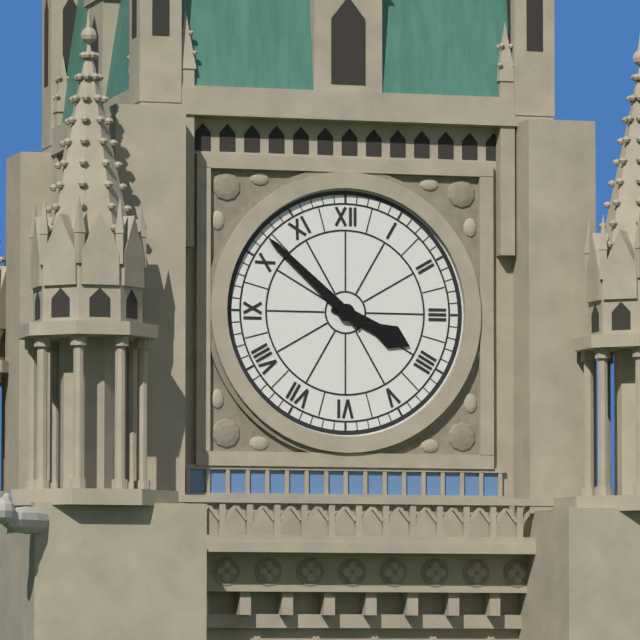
3:52
